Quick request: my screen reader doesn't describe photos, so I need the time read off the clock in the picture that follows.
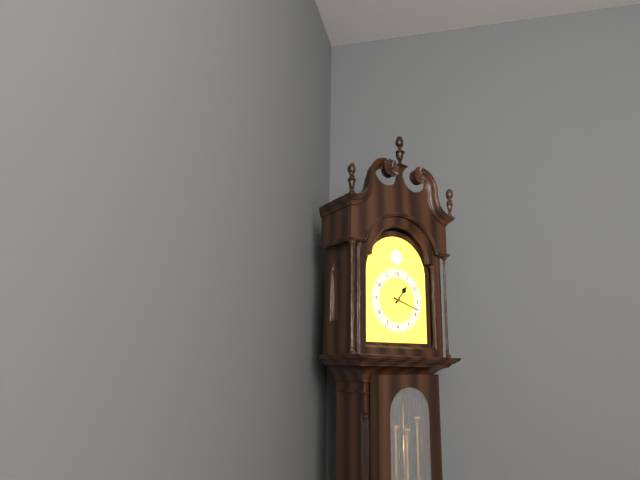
1:18
